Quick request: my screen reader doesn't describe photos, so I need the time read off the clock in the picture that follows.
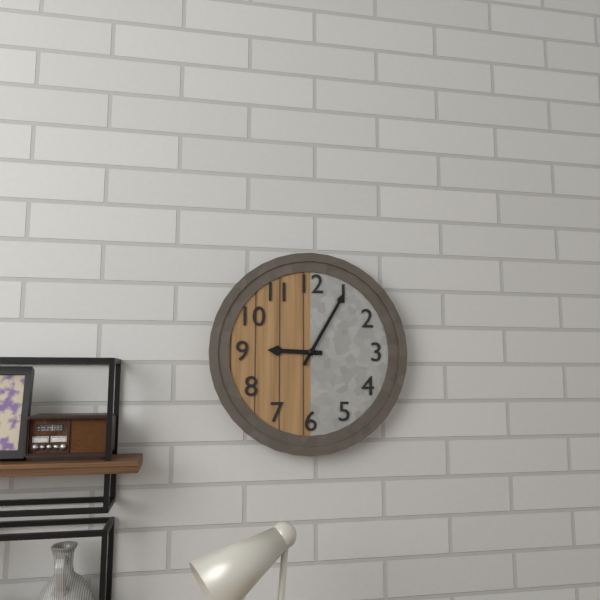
9:05
